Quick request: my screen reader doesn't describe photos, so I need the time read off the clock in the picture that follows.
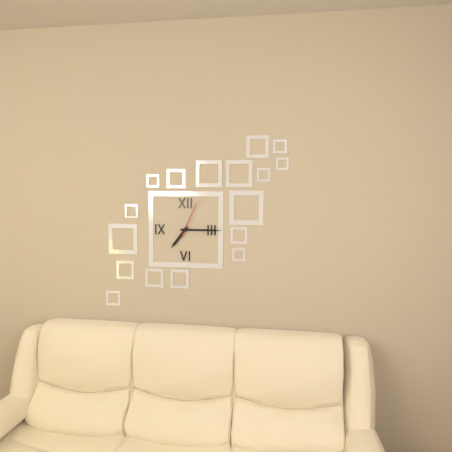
7:15
